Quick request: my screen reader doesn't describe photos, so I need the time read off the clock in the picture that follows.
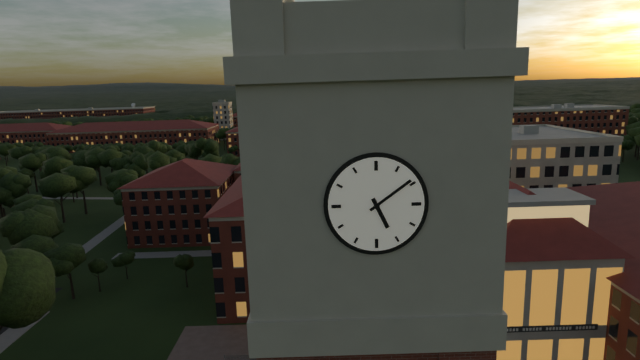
5:09
